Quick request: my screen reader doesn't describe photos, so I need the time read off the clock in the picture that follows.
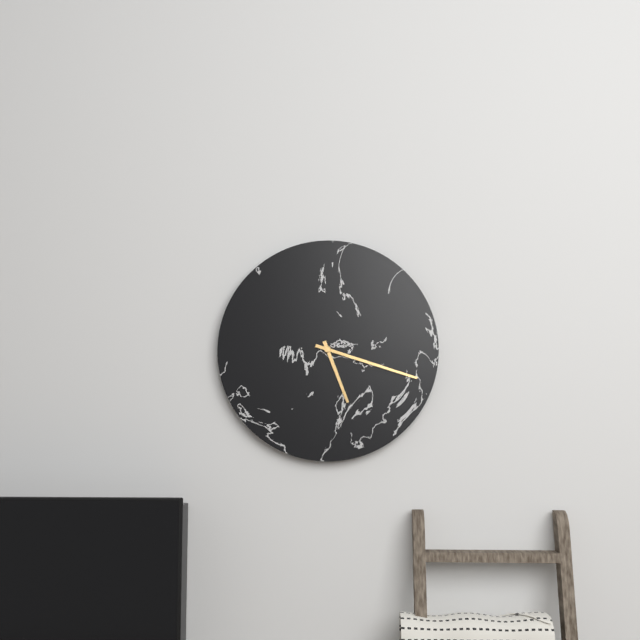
5:18
